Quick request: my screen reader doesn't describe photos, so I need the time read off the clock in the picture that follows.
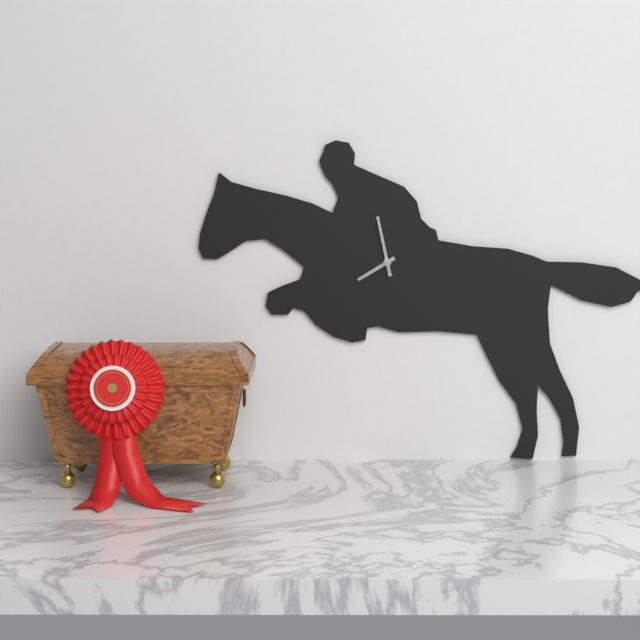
7:58
